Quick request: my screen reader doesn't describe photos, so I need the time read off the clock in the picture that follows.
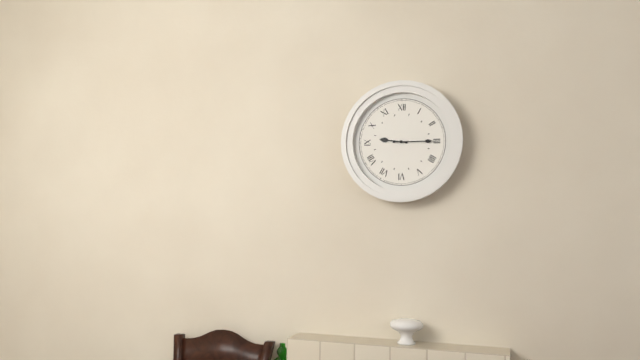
9:15
